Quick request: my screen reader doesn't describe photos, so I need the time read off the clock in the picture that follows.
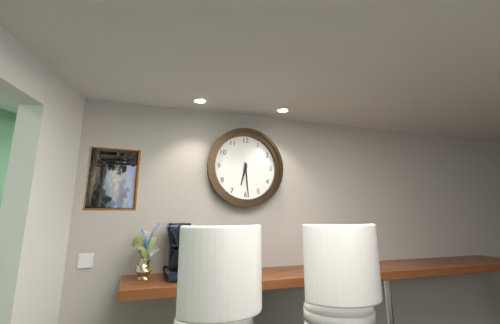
6:29
